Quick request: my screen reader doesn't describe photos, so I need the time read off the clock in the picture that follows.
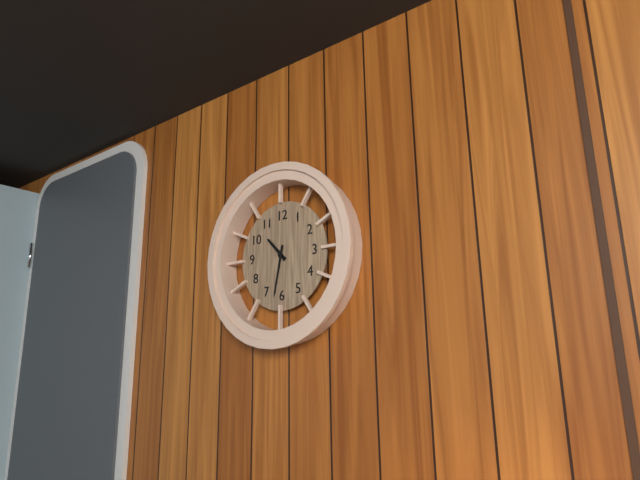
10:32
